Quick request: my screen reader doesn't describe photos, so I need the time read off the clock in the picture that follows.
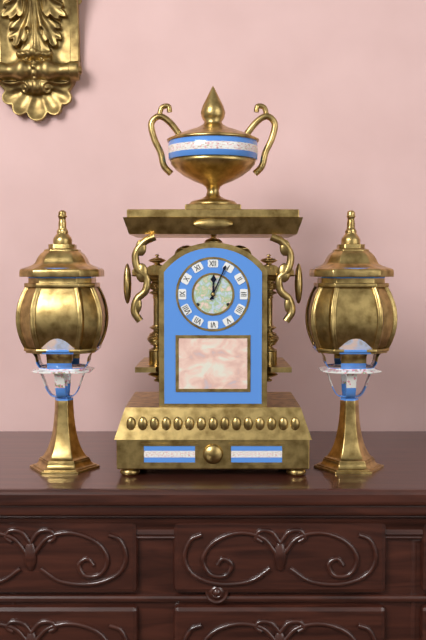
12:04
